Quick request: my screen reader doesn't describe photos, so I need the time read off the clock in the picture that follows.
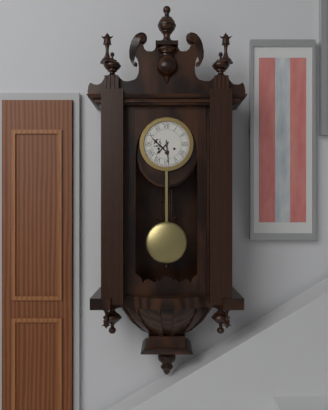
7:29
